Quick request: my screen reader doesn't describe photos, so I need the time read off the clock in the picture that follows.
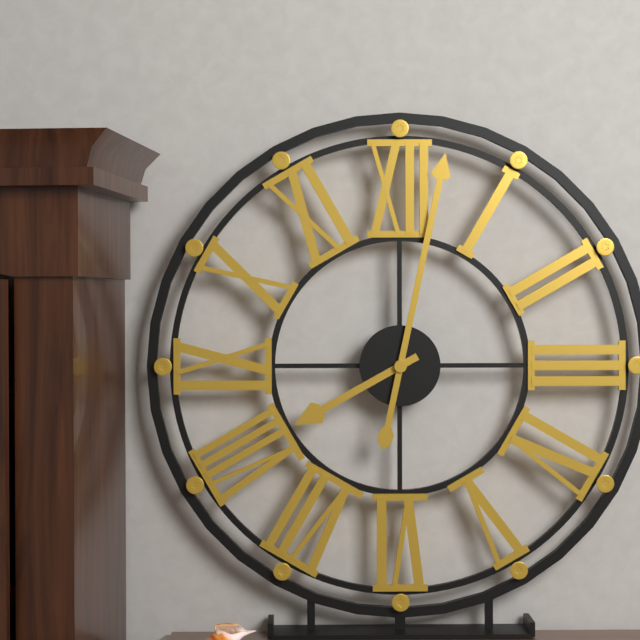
8:02
